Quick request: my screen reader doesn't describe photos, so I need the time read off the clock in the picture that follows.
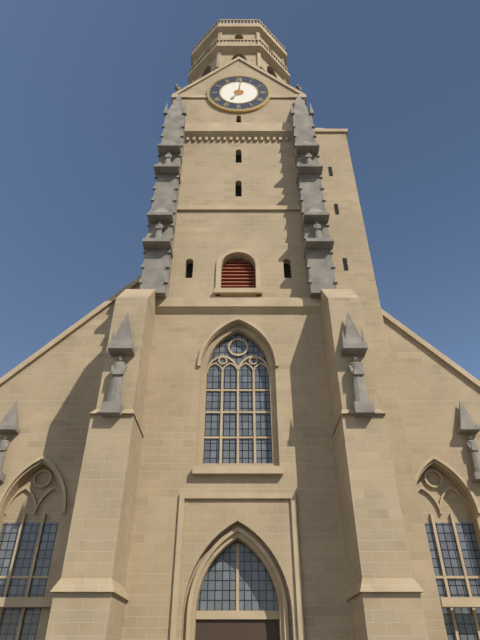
7:01
